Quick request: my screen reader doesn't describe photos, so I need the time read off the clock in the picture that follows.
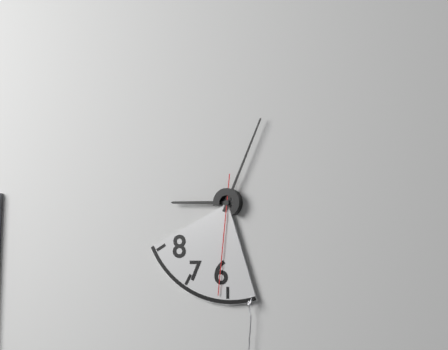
9:04:31
